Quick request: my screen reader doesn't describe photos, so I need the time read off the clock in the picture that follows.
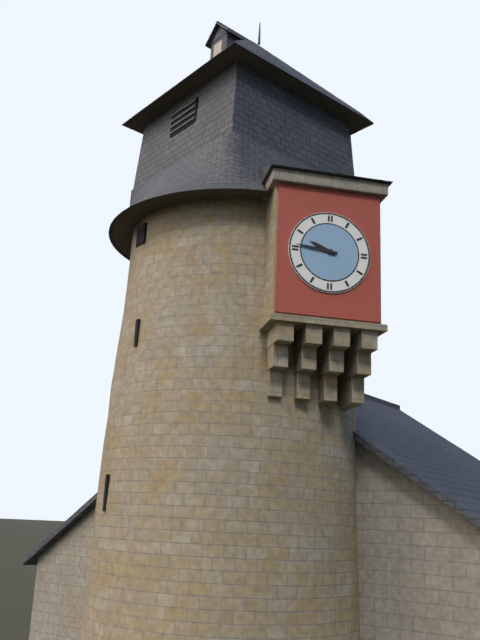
9:46
